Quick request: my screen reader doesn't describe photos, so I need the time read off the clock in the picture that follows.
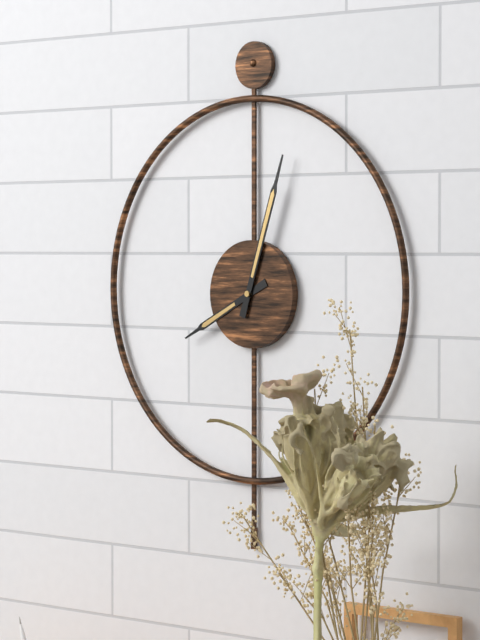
8:03
